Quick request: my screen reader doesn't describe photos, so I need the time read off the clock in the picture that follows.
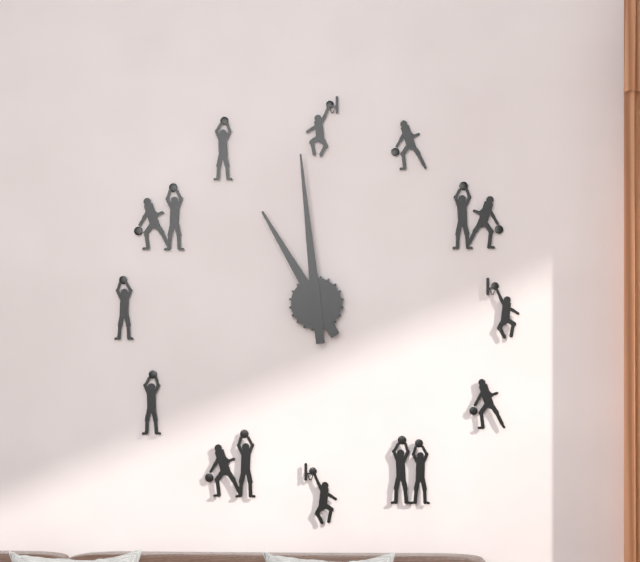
10:59
